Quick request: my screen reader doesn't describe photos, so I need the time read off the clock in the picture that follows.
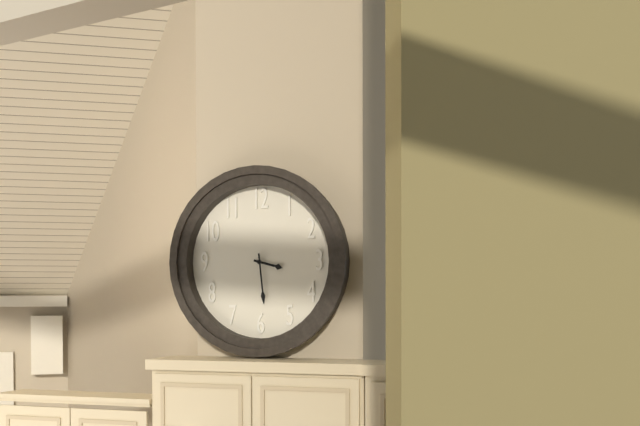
3:29
